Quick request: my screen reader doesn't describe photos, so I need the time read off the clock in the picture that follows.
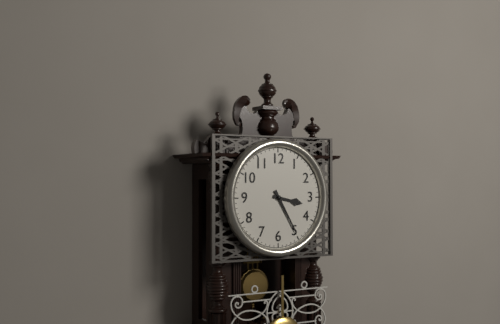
3:25
